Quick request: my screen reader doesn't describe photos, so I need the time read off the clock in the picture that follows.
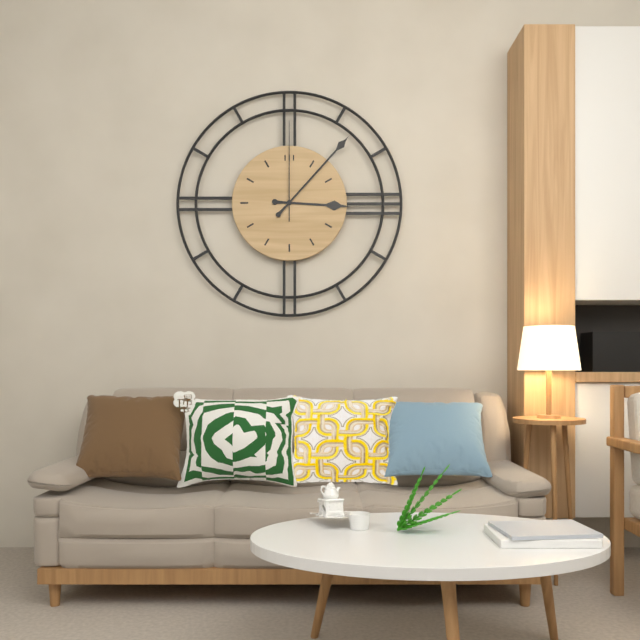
3:07:00
